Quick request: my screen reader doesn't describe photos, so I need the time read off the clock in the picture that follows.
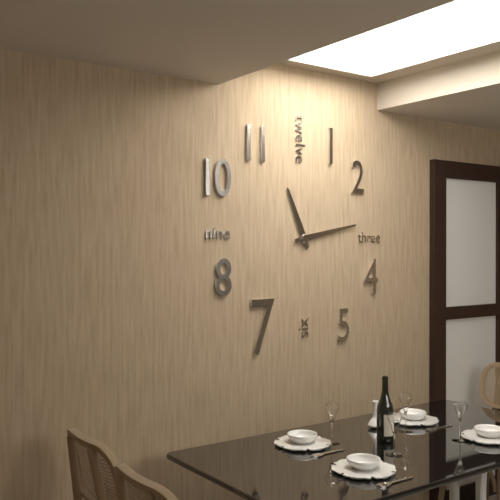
11:13
